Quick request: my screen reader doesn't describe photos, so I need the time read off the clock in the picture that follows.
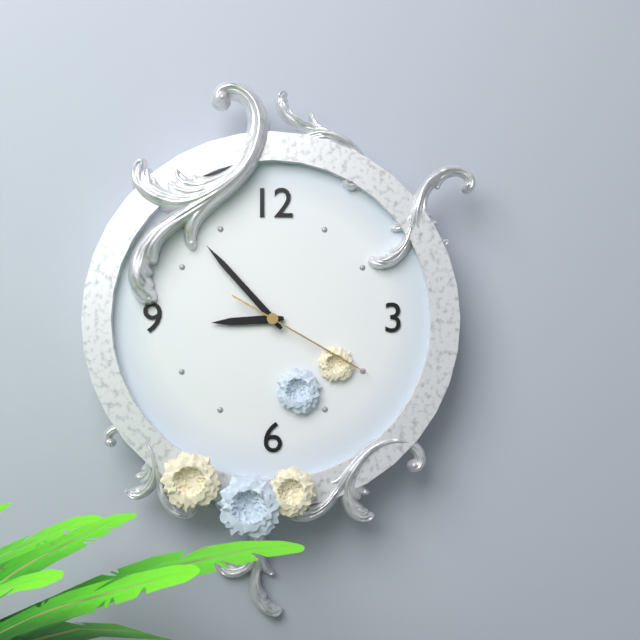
8:53:20
